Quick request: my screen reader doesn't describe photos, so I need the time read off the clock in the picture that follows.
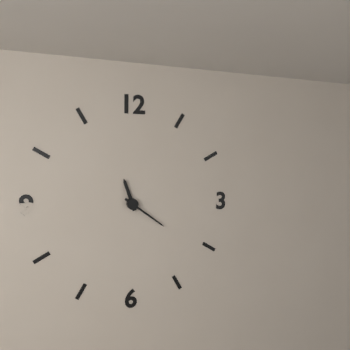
11:21
